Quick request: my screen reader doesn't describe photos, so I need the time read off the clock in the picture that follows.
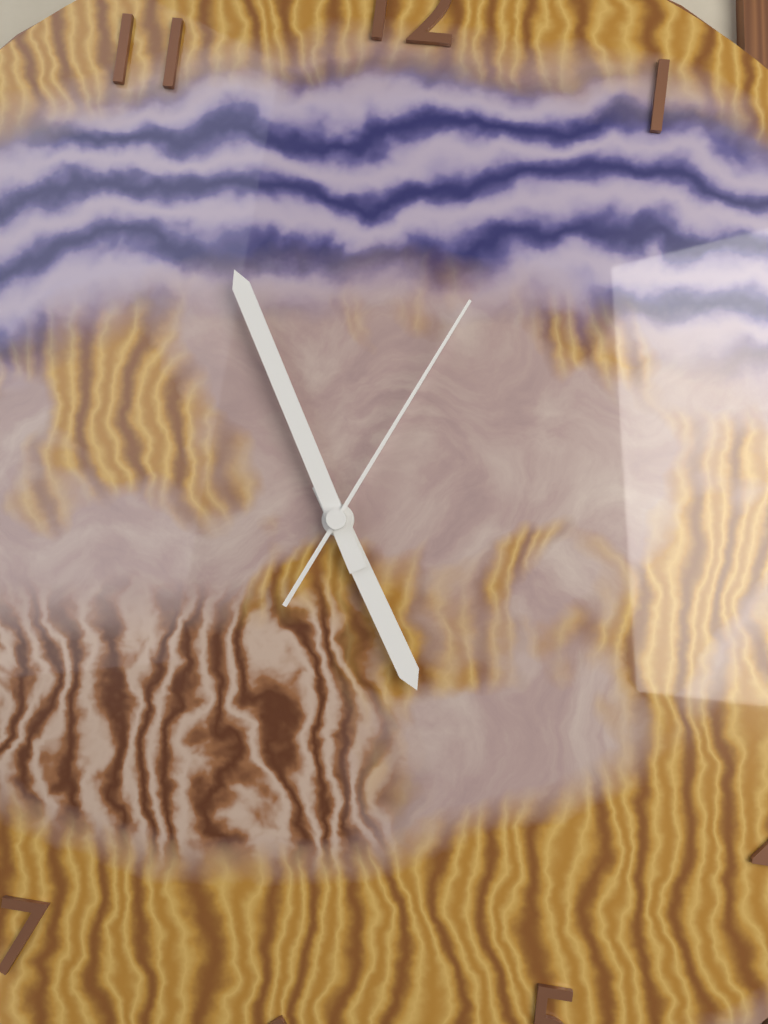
4:55:04
